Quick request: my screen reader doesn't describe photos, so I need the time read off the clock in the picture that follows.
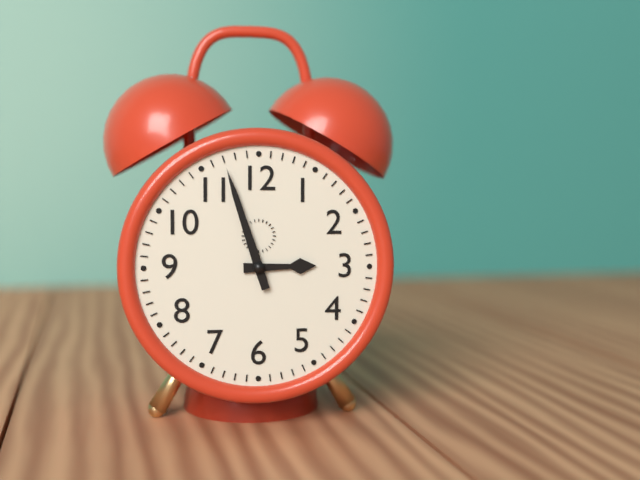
2:57
